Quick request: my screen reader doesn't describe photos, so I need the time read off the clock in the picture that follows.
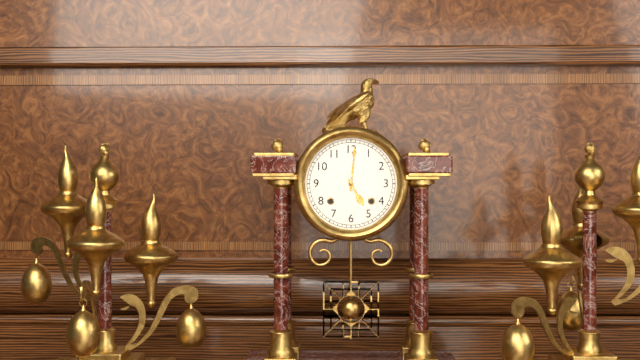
5:01
